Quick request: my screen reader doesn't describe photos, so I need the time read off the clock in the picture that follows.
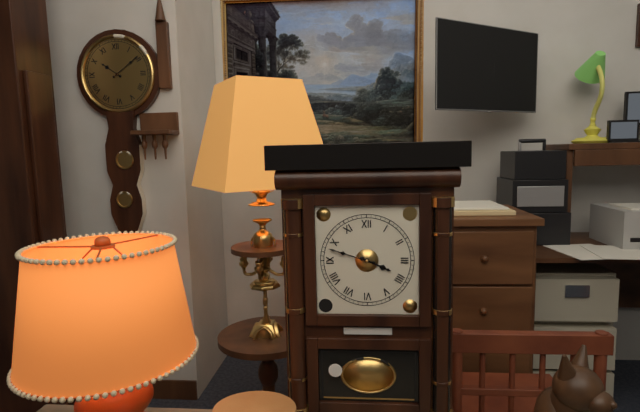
3:48
